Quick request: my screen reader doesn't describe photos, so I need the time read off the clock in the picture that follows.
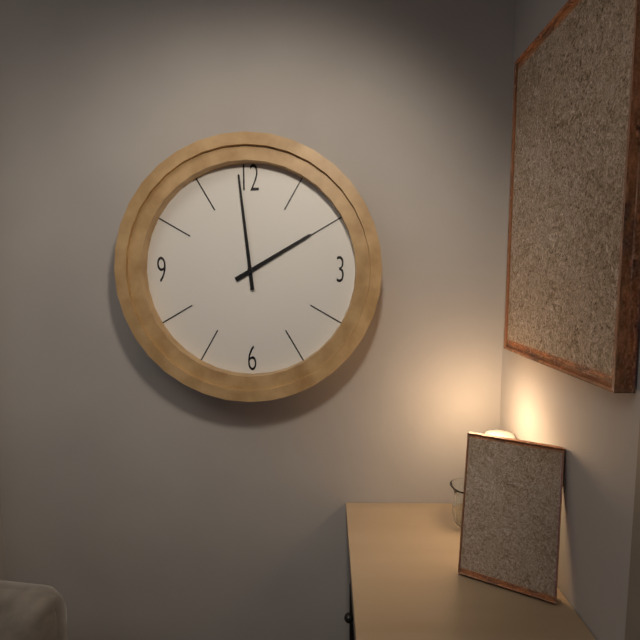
1:59
